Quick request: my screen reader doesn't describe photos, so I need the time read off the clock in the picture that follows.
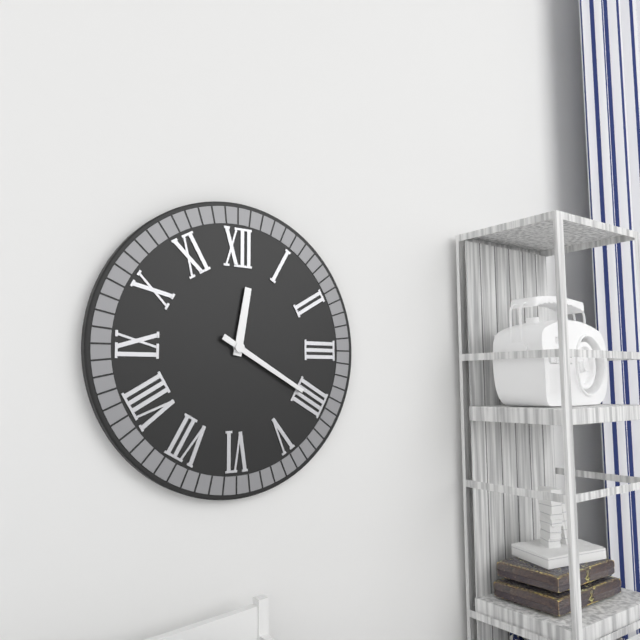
12:20
